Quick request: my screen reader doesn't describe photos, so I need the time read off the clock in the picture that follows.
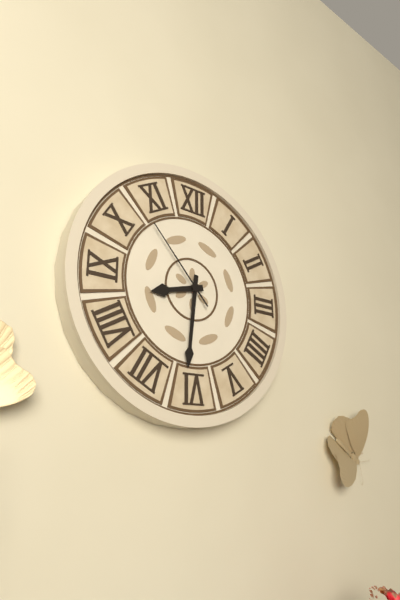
8:31:53
